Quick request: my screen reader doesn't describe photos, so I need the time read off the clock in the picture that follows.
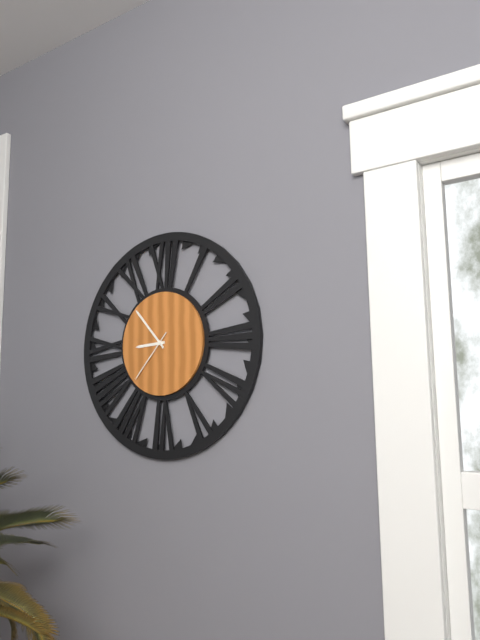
8:53:37
